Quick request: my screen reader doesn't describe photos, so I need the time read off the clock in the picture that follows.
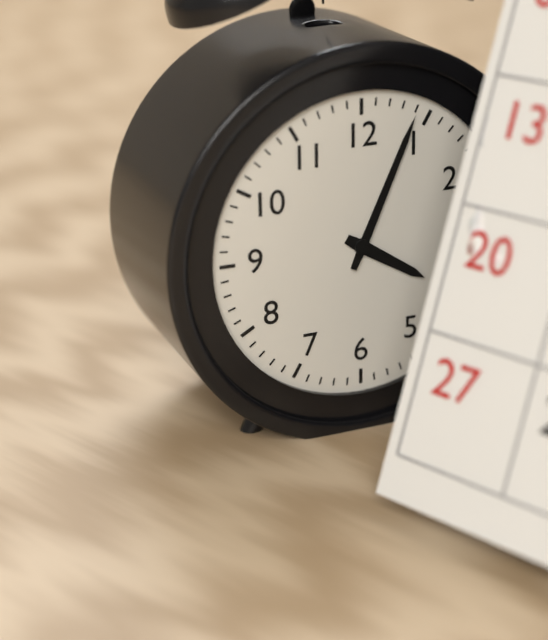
4:04
